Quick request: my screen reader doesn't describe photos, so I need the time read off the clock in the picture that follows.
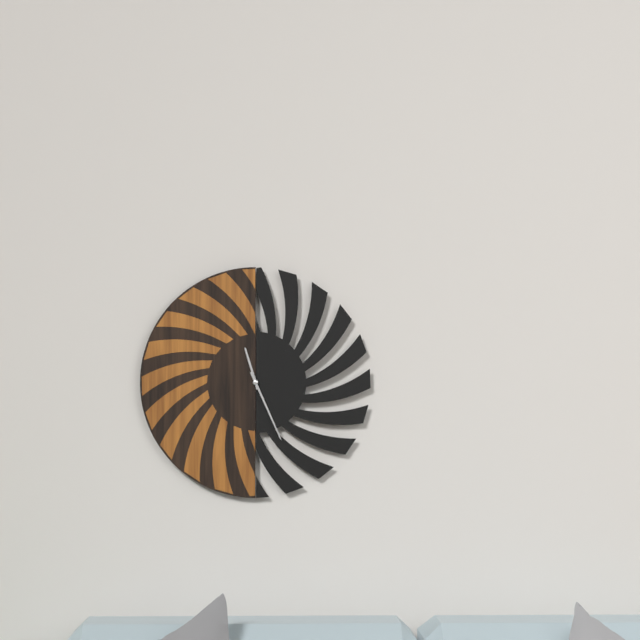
11:26
